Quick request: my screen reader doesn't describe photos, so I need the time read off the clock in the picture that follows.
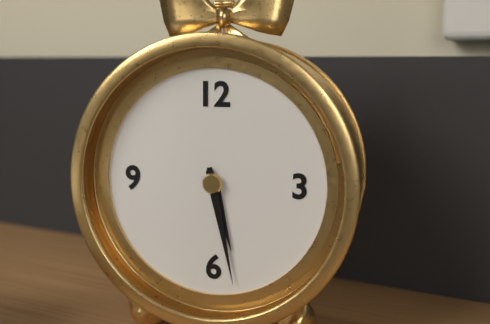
5:28
